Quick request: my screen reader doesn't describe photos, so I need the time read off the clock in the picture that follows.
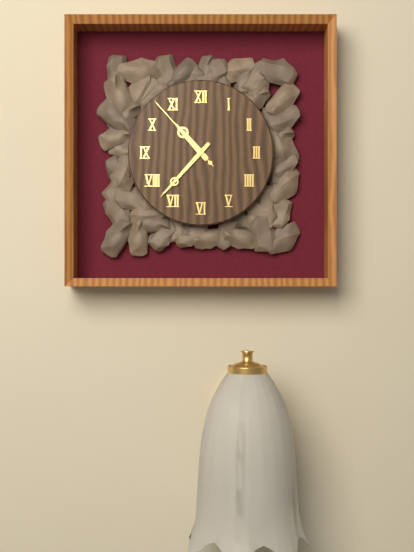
10:37:53
